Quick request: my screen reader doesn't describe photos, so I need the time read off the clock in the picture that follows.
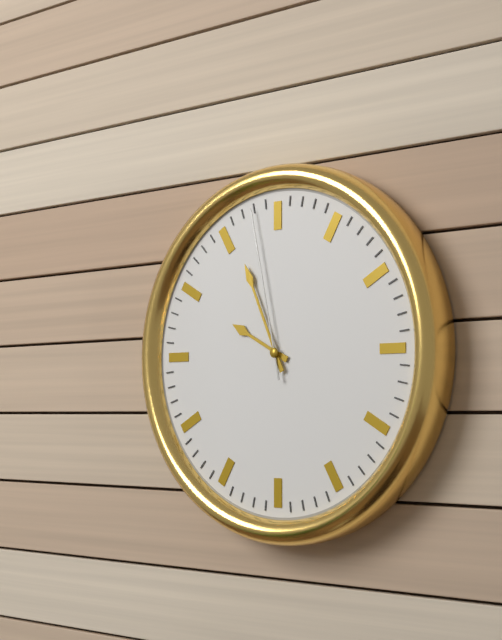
9:56:58
